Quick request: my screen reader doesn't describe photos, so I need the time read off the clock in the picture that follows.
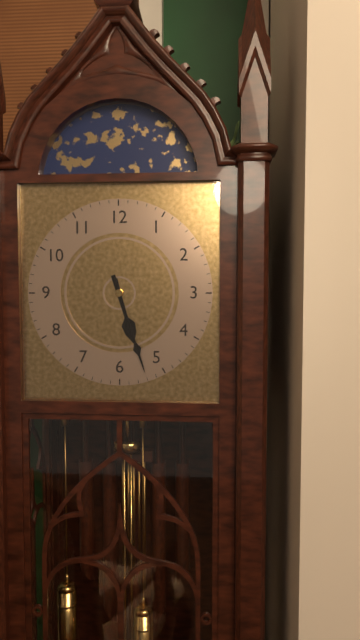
5:27
